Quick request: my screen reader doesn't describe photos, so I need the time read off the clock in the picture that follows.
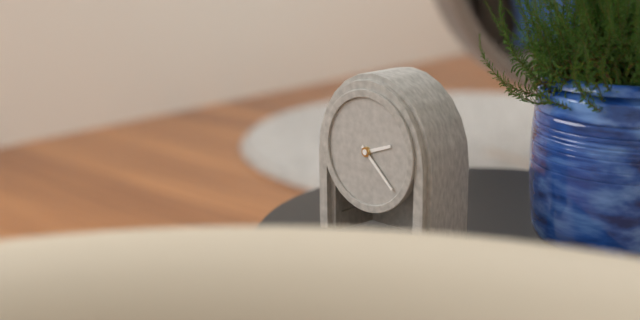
2:22
